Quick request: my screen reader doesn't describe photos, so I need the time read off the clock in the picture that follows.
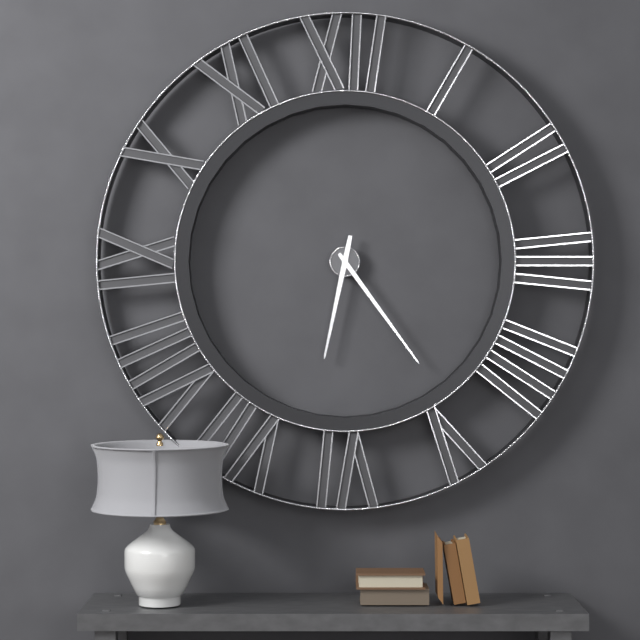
6:24
